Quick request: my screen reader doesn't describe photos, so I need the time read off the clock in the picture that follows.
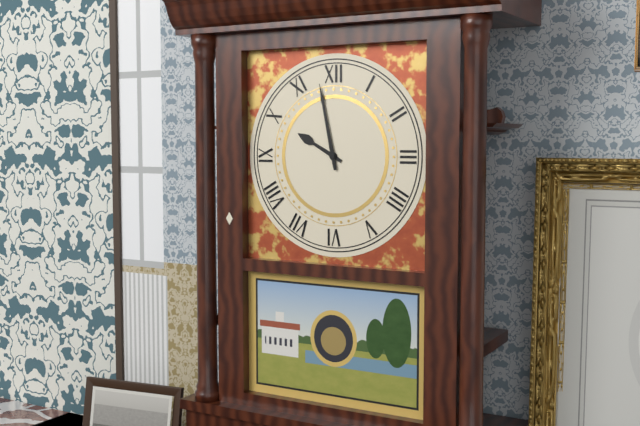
9:58
